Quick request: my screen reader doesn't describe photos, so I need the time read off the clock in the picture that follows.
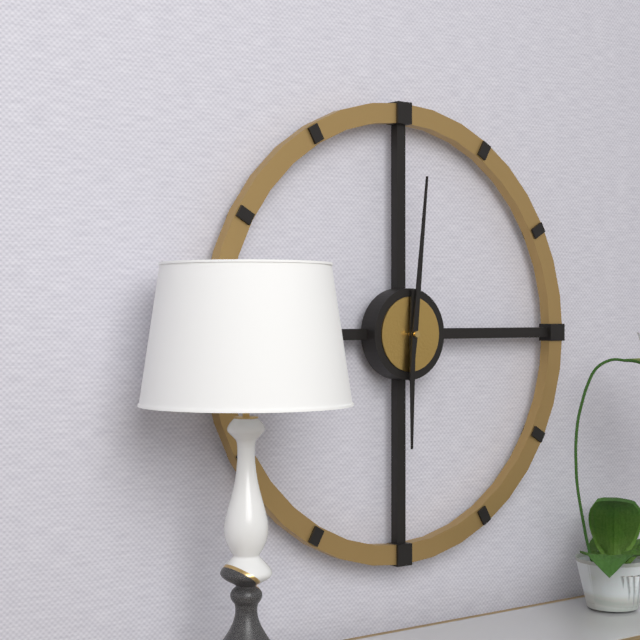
6:01
